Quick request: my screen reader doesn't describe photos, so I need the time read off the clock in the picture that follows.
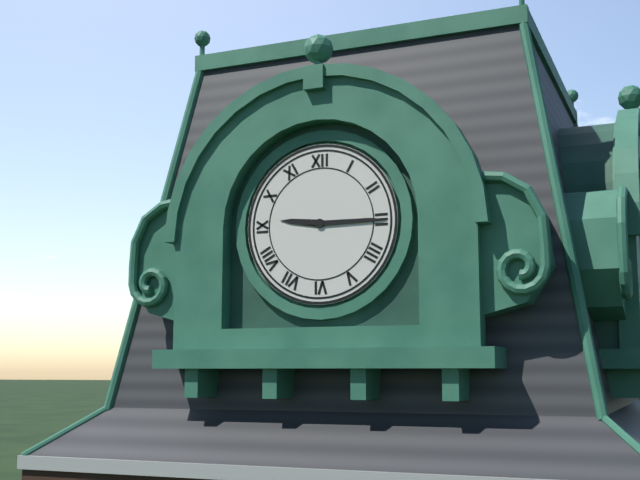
9:15
